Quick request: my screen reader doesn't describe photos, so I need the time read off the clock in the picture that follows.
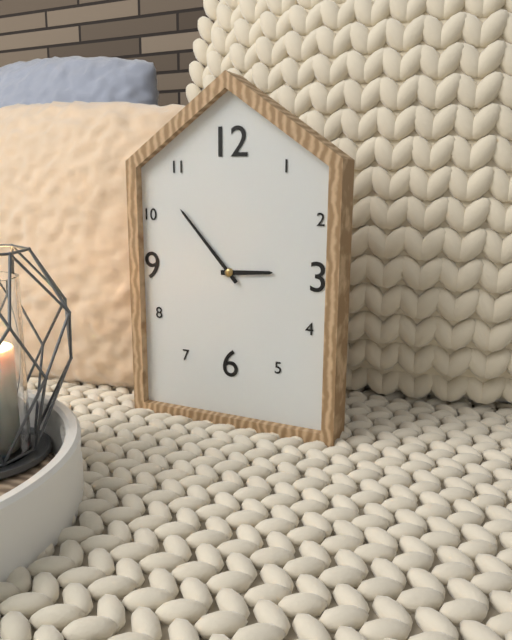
2:53
